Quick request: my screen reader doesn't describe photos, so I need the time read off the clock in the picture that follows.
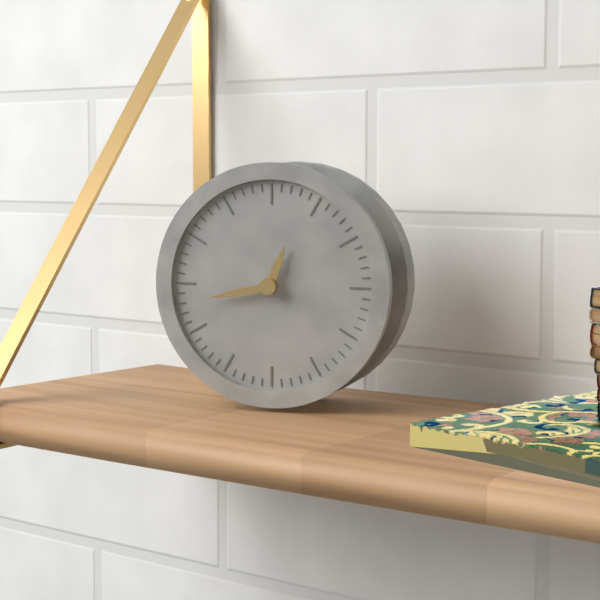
12:43
